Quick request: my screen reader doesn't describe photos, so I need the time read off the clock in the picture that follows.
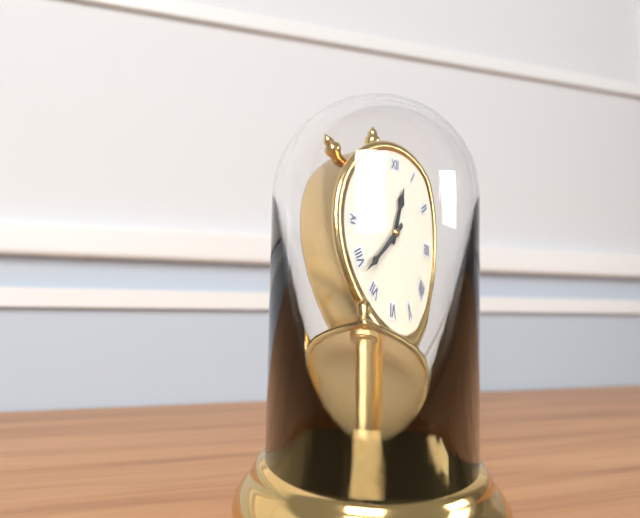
12:38
